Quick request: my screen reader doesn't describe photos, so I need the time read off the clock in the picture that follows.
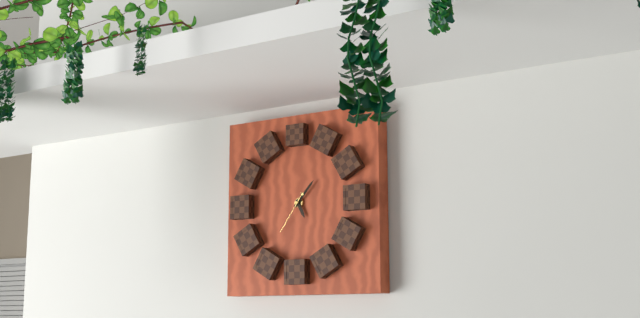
5:07
